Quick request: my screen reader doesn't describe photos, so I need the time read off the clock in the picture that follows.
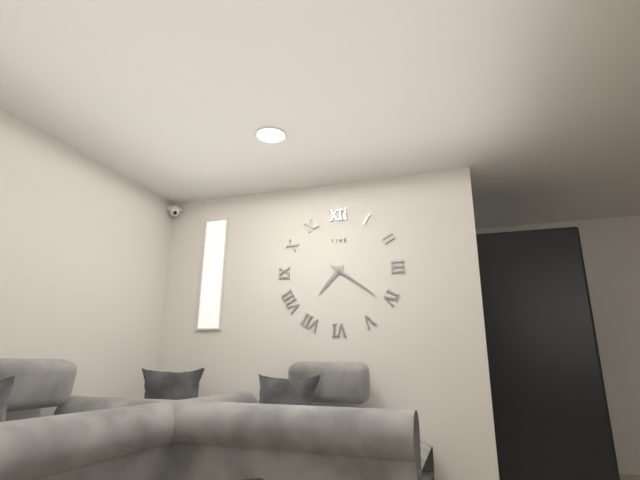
7:21:21
